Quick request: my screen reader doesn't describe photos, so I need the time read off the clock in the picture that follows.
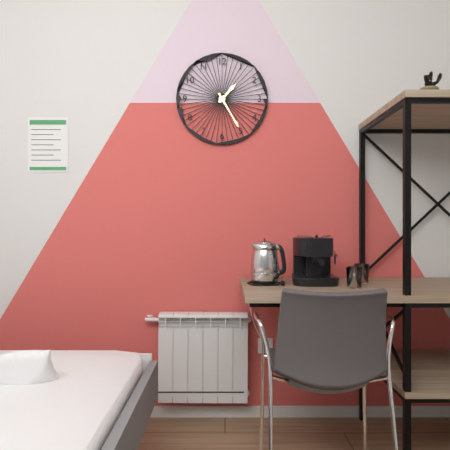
1:25
